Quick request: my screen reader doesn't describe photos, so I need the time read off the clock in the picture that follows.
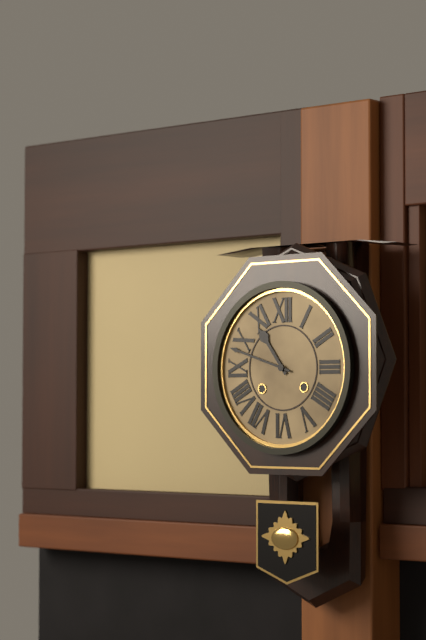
10:48
